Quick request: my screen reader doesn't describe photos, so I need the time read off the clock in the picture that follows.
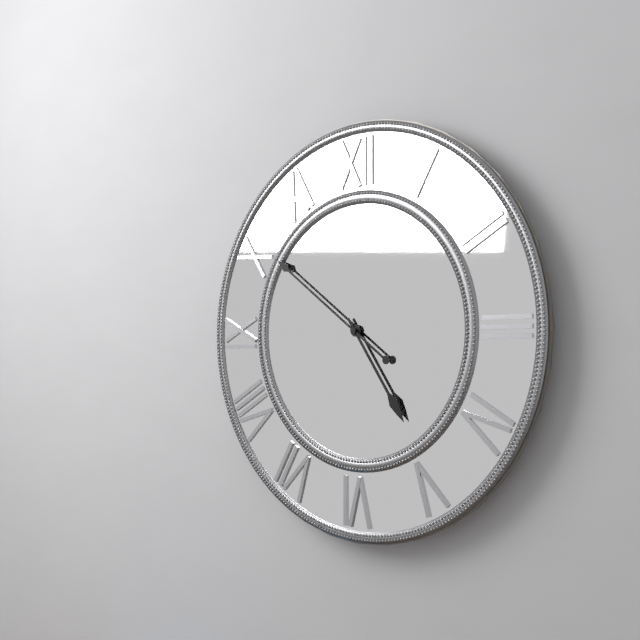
4:51
